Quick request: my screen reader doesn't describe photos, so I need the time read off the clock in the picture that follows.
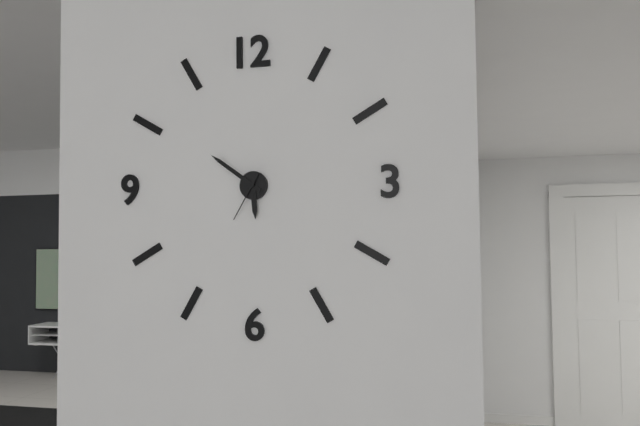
5:51
